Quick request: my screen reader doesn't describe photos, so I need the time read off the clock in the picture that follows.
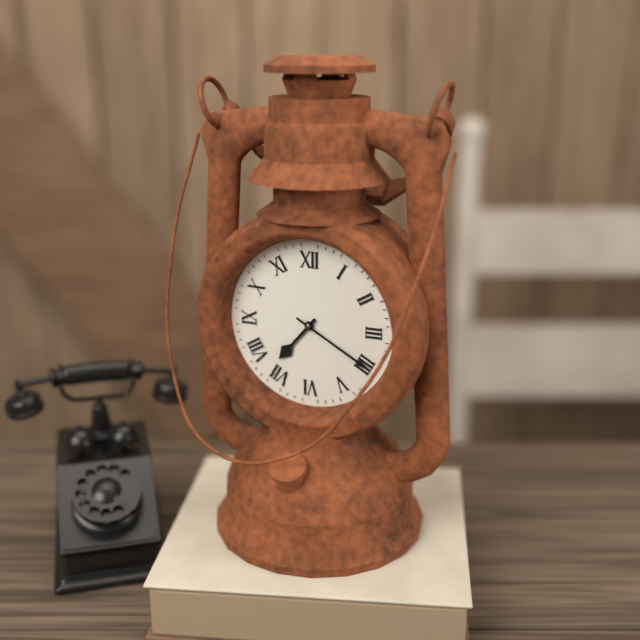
7:20
